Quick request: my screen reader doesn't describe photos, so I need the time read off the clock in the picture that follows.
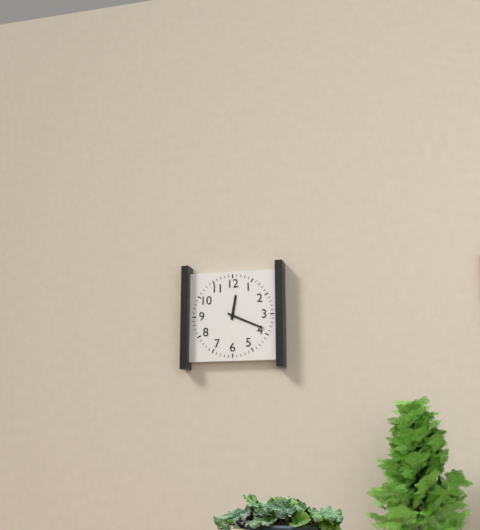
12:19
